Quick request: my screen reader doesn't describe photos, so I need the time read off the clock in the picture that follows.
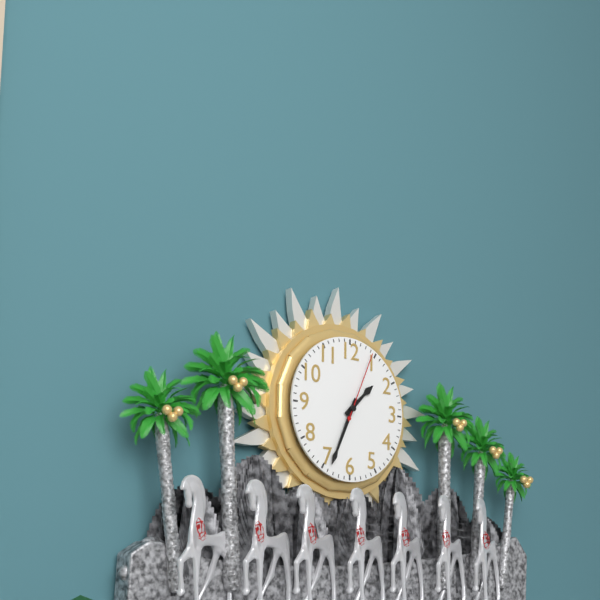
1:34:04
